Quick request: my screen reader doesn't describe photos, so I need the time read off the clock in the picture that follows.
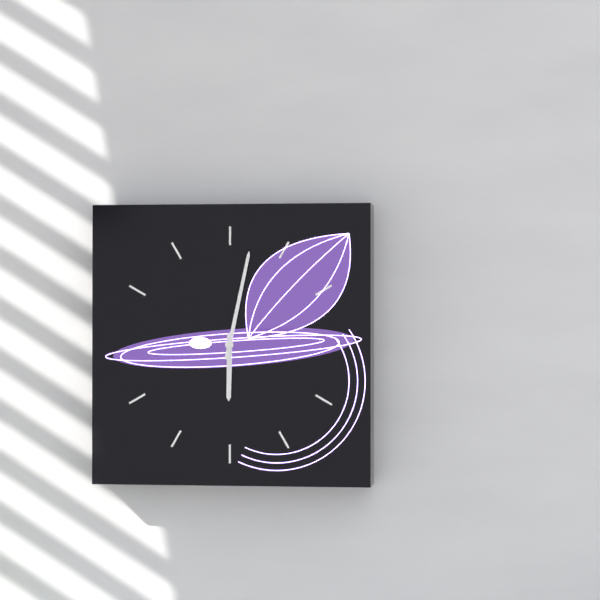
6:02
